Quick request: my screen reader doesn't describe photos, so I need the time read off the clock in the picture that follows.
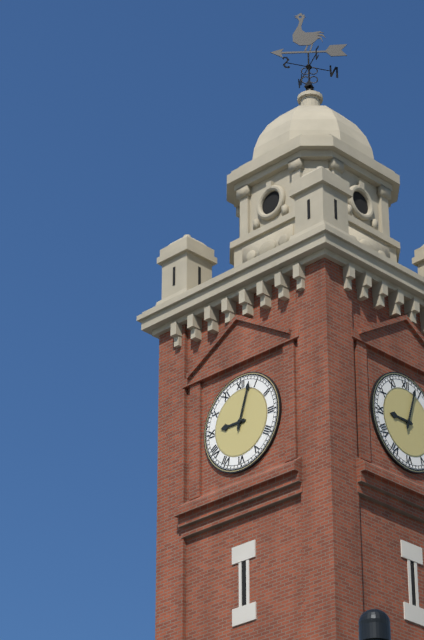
9:03
